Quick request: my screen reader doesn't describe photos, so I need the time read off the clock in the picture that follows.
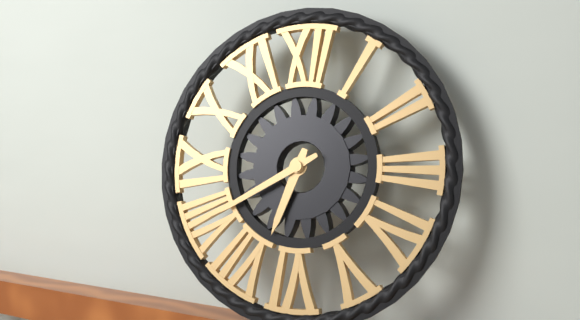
6:40
